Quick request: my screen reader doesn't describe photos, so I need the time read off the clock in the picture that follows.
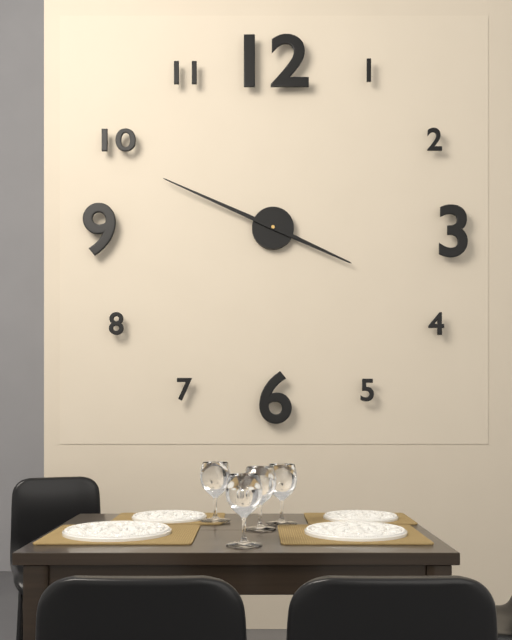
3:49
